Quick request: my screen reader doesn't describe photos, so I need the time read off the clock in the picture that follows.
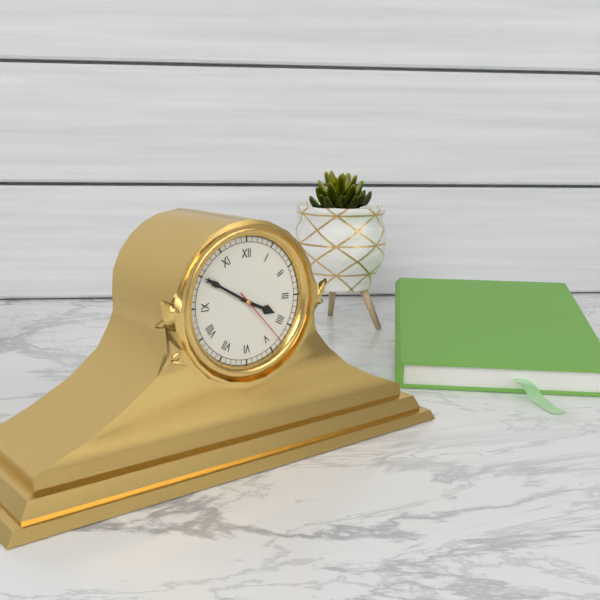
3:50:23
